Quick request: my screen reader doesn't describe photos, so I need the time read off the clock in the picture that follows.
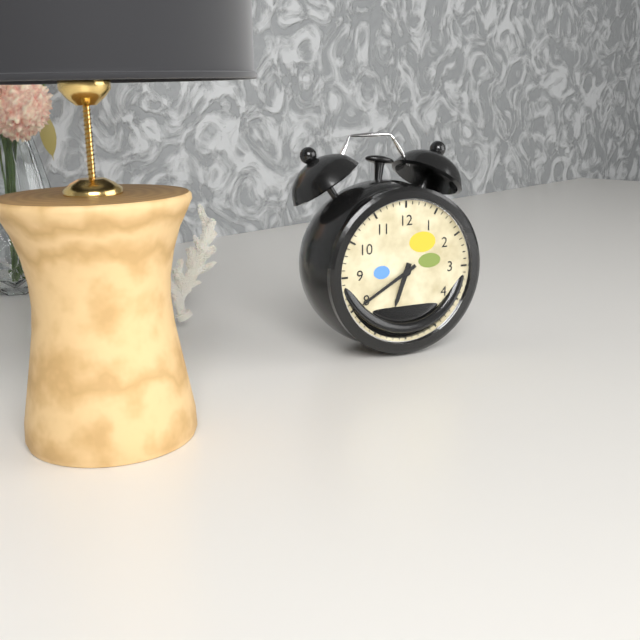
6:40
